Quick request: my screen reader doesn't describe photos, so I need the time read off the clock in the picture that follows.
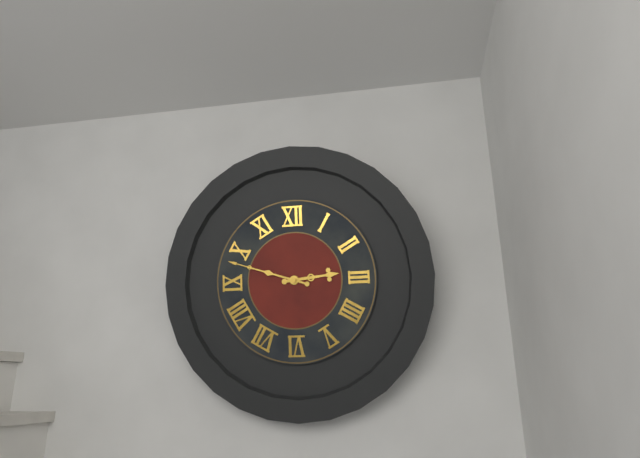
2:48
